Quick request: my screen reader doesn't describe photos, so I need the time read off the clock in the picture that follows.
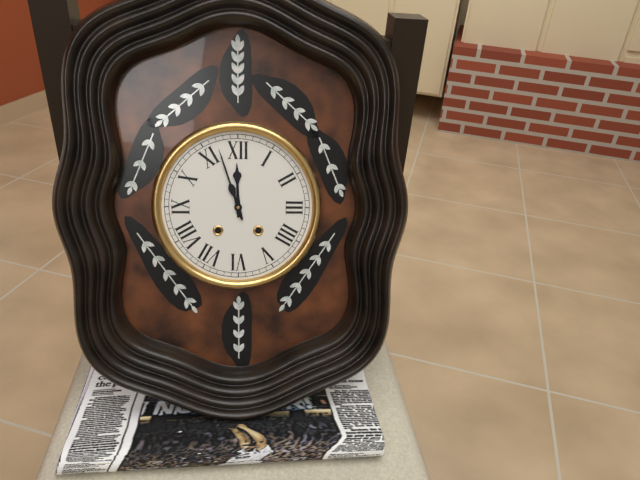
11:57
